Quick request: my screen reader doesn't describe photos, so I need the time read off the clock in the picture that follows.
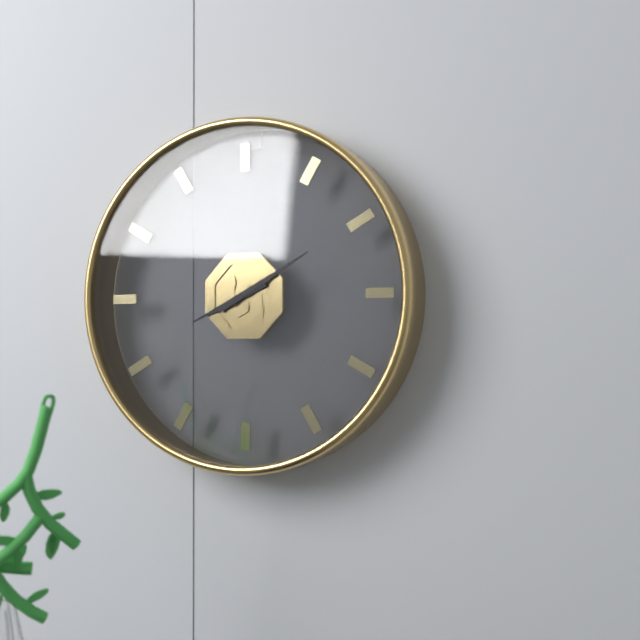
8:10
